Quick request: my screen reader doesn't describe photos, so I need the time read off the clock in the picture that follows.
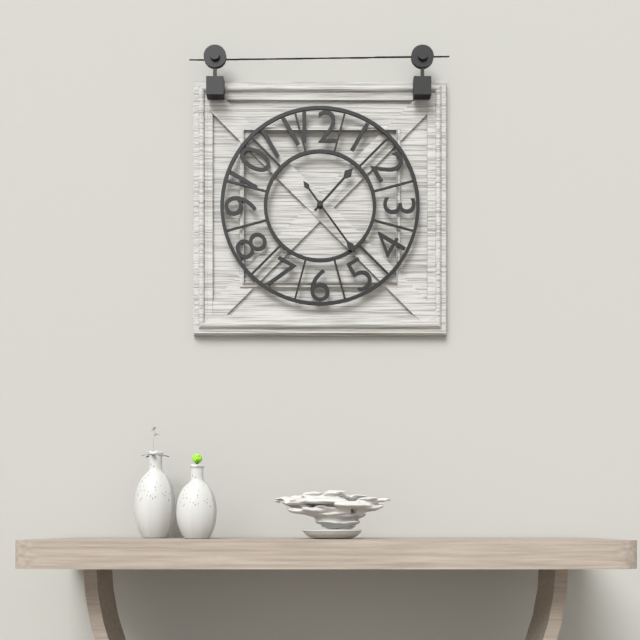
1:24
